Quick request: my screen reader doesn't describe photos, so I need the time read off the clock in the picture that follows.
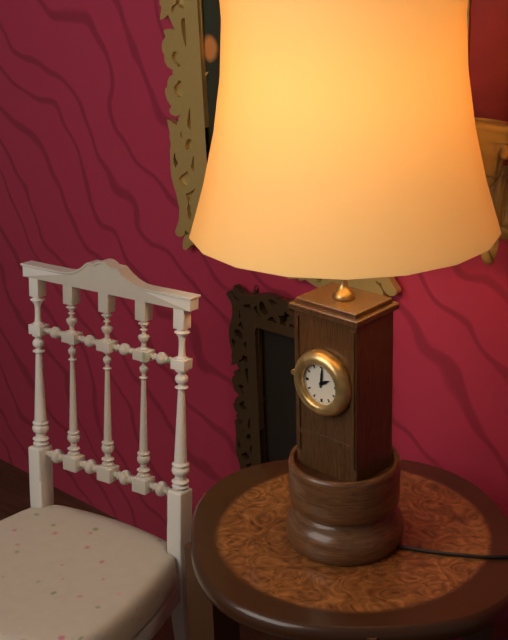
2:01
